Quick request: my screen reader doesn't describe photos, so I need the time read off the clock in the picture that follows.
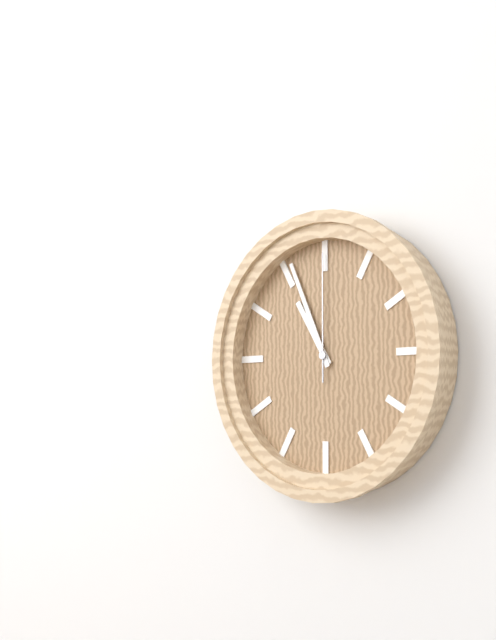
10:56:00
